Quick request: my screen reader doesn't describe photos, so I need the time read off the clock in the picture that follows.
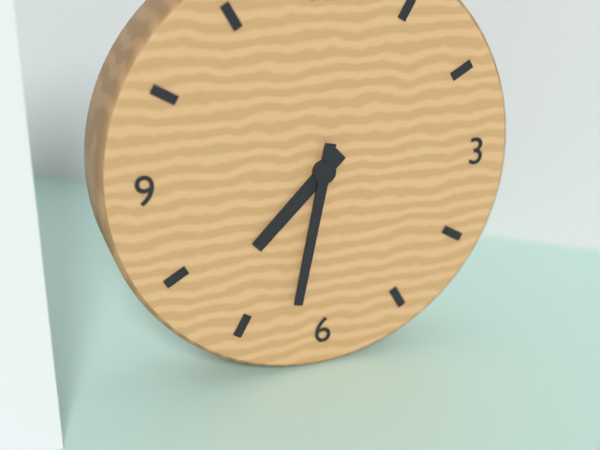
7:32
